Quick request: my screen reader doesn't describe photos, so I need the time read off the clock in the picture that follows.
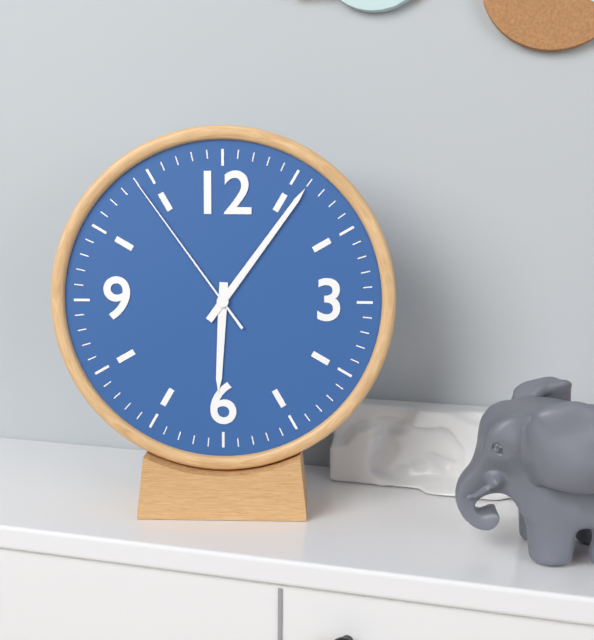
6:06:54
